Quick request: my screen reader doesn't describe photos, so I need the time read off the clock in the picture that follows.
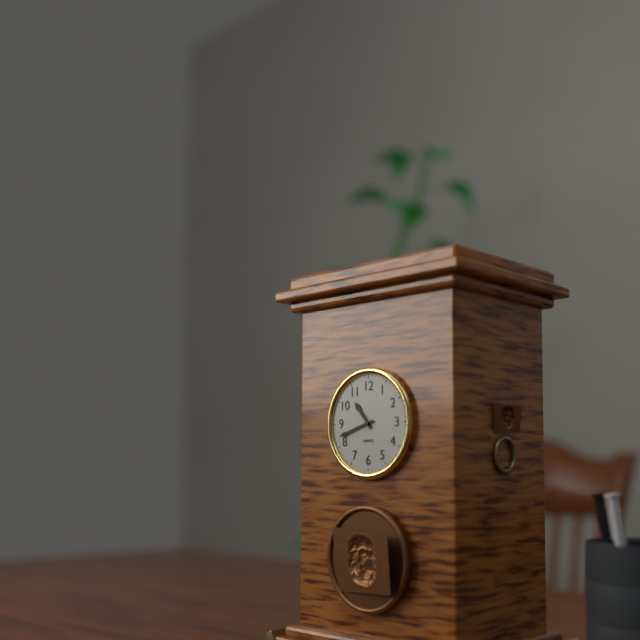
10:42
